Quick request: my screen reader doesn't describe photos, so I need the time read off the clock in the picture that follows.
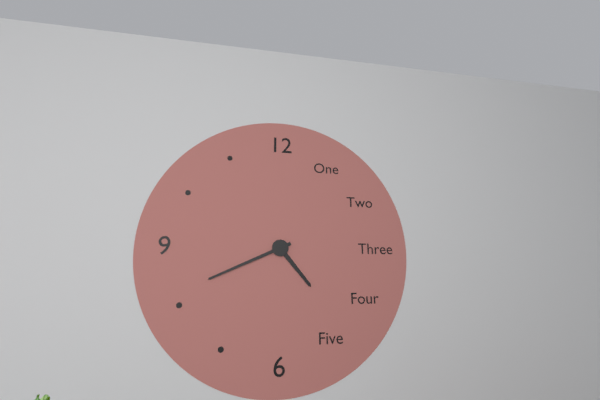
4:41
